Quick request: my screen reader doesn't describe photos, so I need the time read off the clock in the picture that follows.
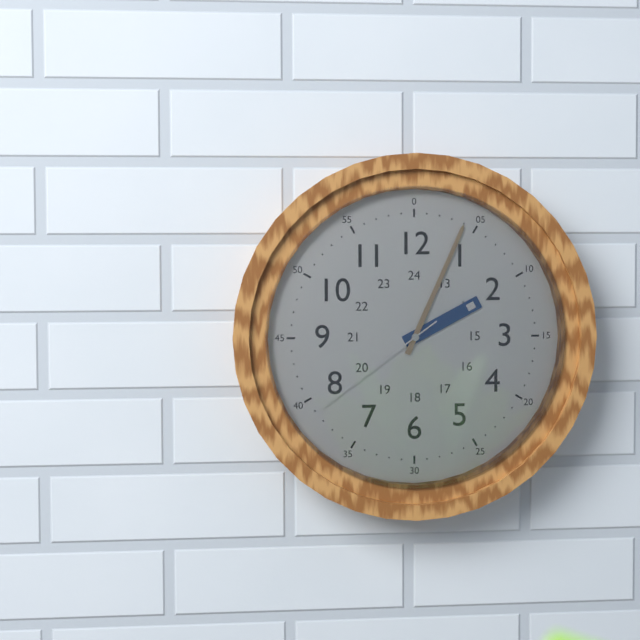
2:04:39
